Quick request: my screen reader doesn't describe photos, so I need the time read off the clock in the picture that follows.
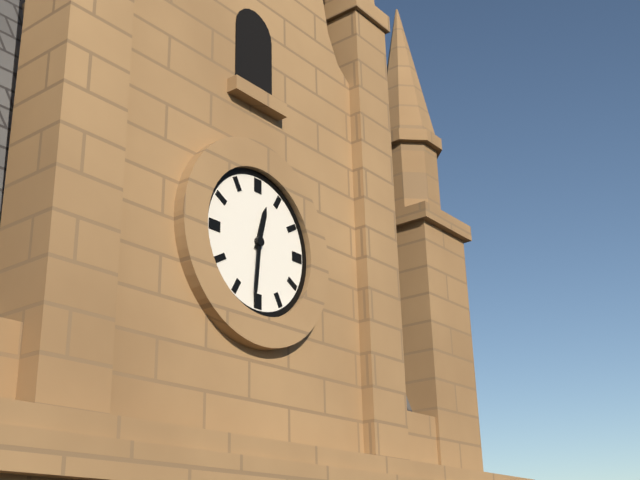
12:31
